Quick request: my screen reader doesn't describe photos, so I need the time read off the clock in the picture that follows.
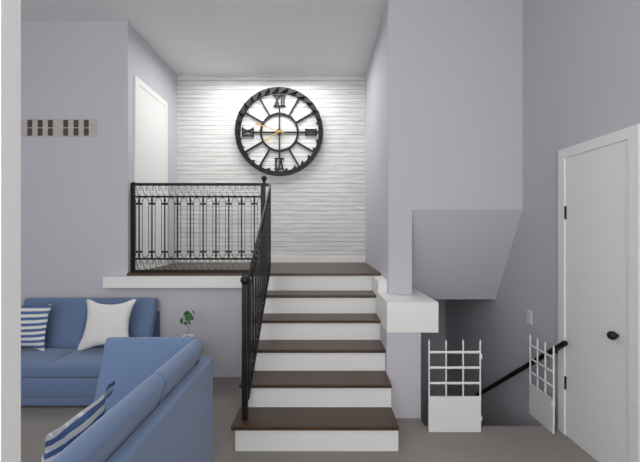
7:48
